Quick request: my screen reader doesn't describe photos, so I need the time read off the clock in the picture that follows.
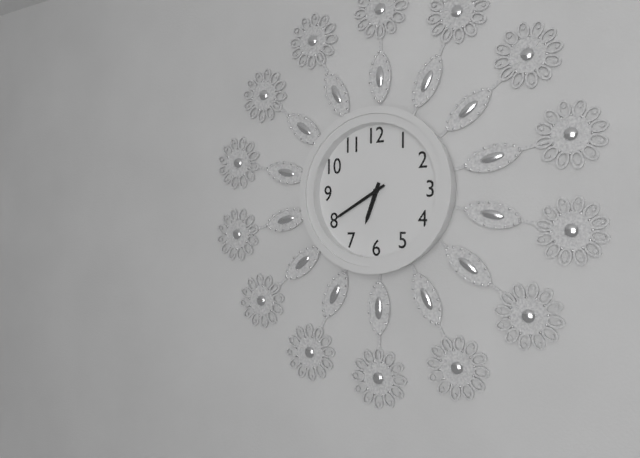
6:40
